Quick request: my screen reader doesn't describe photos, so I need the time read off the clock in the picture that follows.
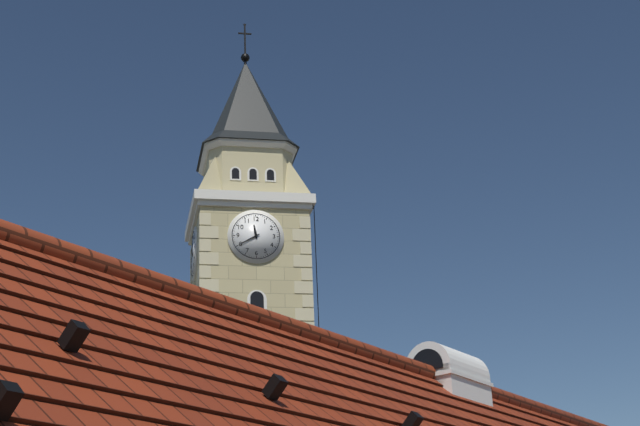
11:40
